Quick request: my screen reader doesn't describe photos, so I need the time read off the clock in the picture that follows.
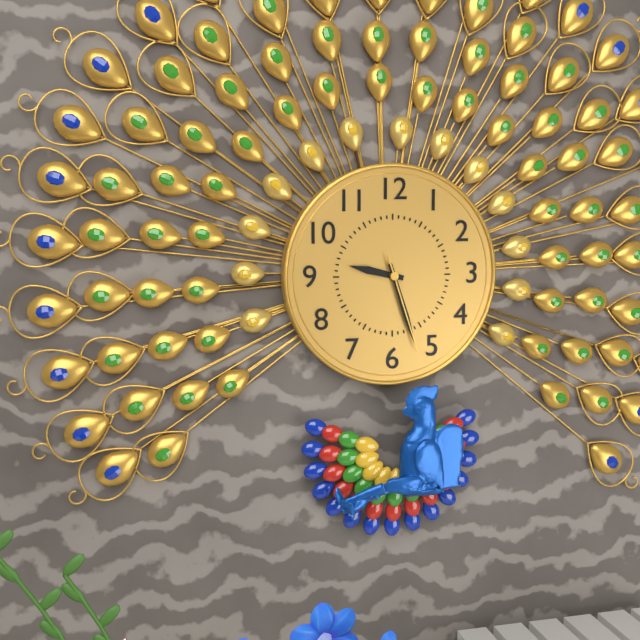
9:27:27
